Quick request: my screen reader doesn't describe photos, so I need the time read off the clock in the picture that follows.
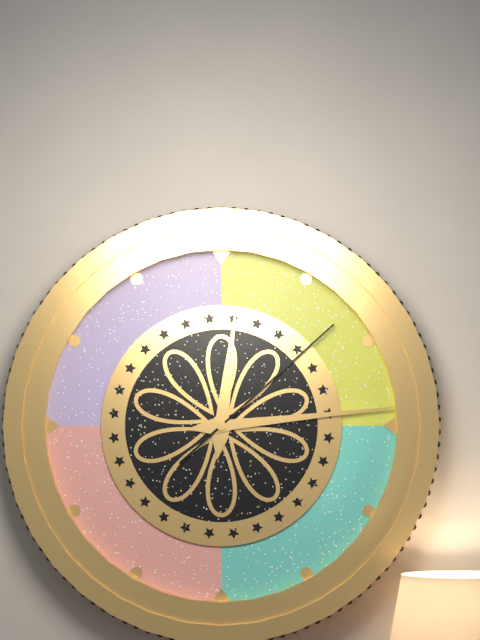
12:14:08
